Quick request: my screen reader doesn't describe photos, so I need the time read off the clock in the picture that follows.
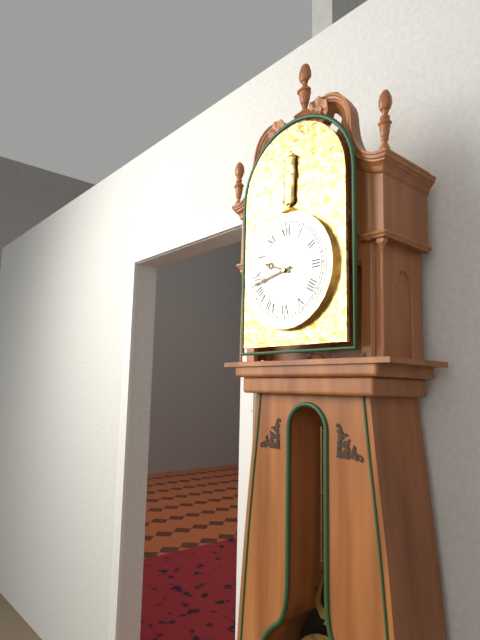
9:43
